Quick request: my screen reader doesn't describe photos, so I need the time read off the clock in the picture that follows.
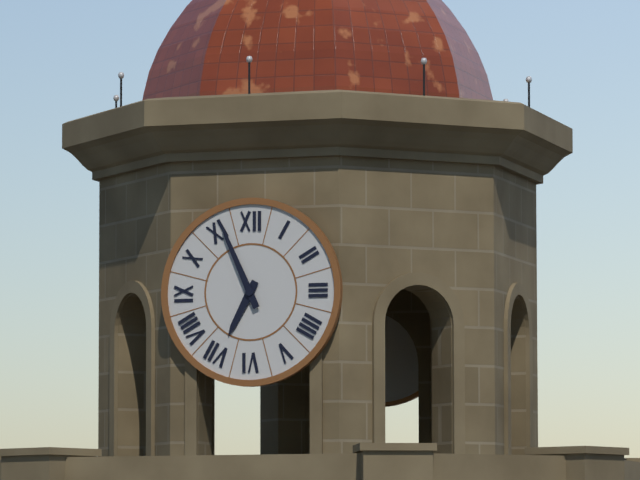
6:56
